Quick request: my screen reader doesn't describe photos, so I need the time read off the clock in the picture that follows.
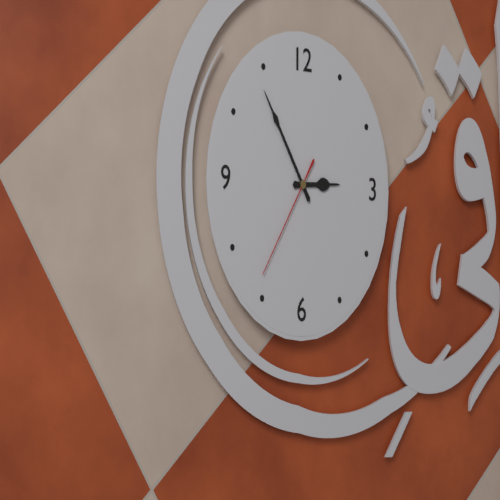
2:54:36
